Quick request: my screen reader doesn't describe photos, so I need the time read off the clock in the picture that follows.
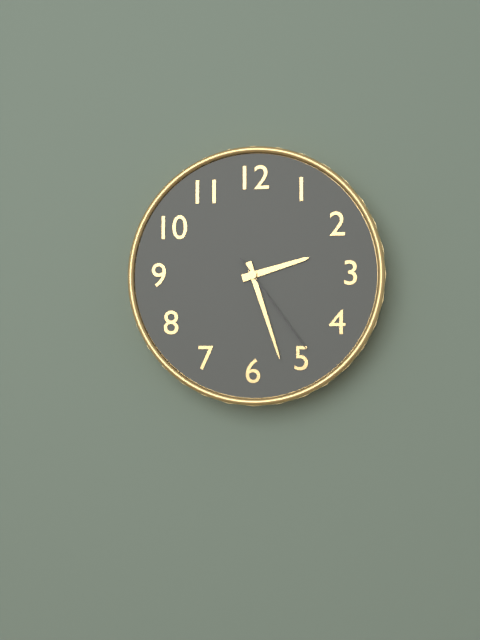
2:27:24
